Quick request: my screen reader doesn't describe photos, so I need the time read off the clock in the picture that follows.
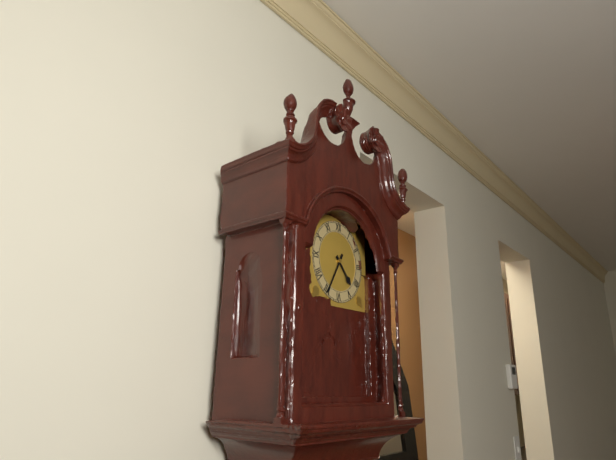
4:35
